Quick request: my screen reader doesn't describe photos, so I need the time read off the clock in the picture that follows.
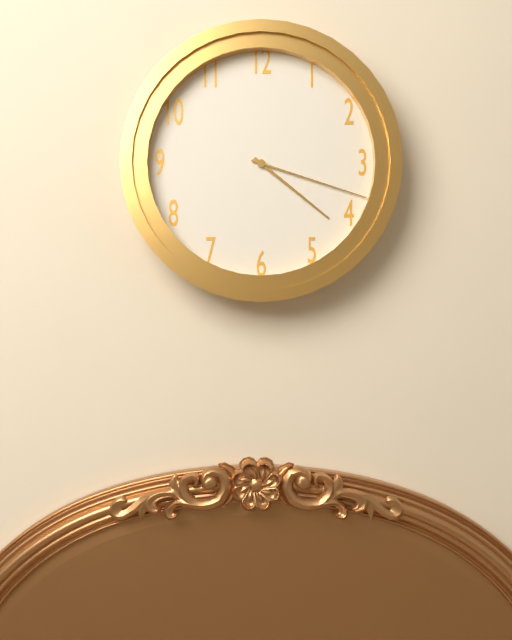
4:18
